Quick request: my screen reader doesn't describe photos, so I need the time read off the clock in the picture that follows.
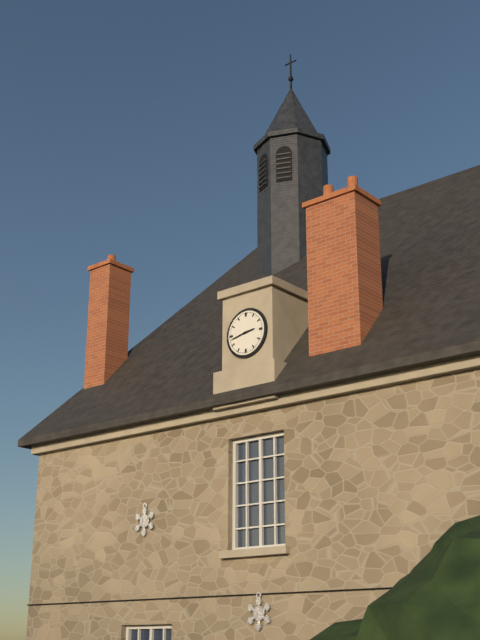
2:43
